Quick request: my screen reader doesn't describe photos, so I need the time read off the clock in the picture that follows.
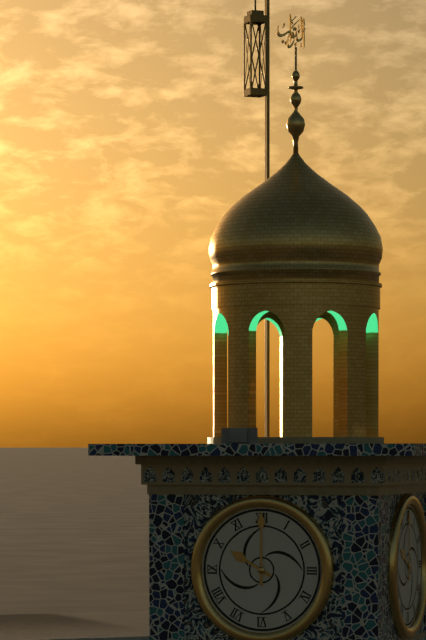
10:00
